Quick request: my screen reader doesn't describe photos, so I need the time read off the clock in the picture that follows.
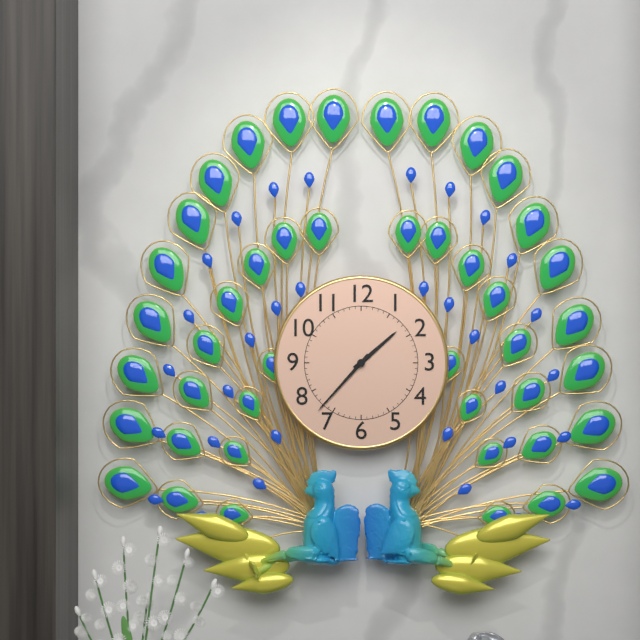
1:37
